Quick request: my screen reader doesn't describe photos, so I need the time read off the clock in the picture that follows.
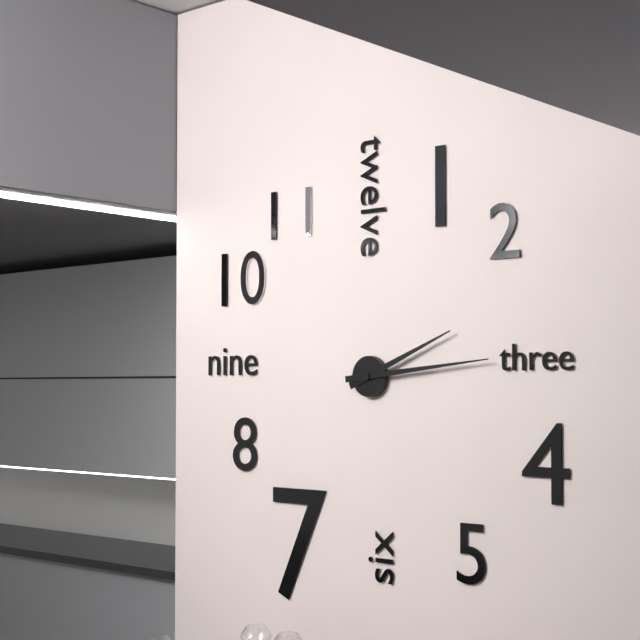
2:14
